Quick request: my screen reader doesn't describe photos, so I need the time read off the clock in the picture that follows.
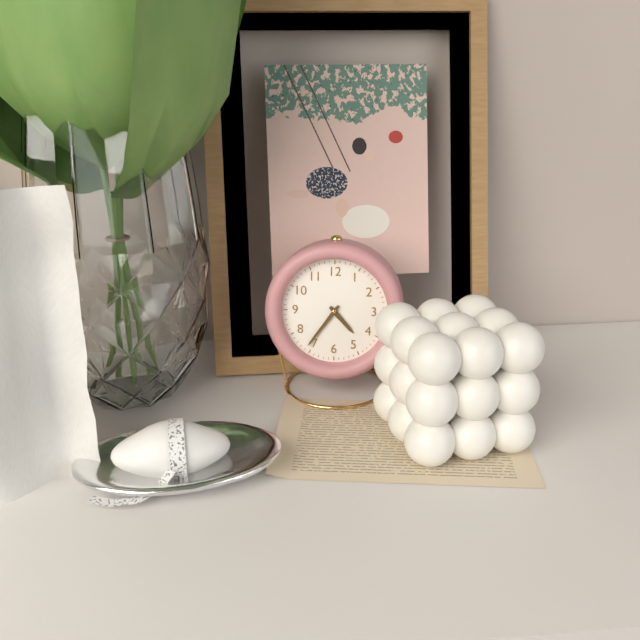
4:36
